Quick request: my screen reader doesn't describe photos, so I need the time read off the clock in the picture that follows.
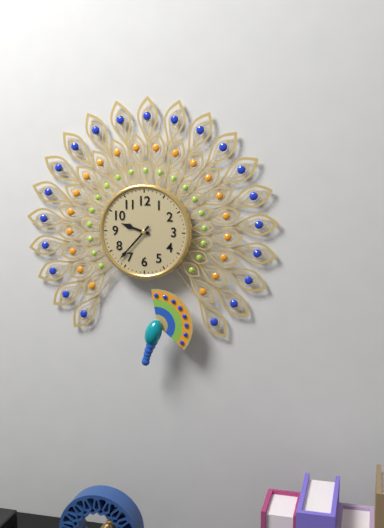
9:37
